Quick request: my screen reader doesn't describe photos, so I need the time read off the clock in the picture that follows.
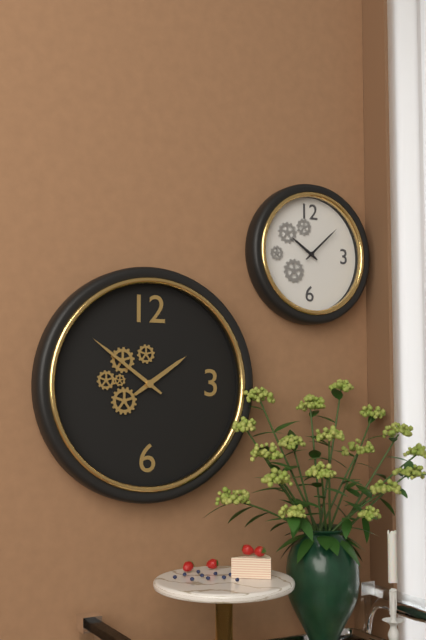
1:51
